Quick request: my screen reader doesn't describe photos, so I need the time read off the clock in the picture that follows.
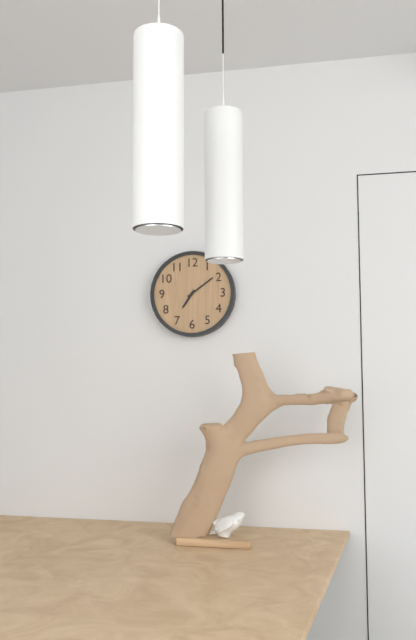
7:09
